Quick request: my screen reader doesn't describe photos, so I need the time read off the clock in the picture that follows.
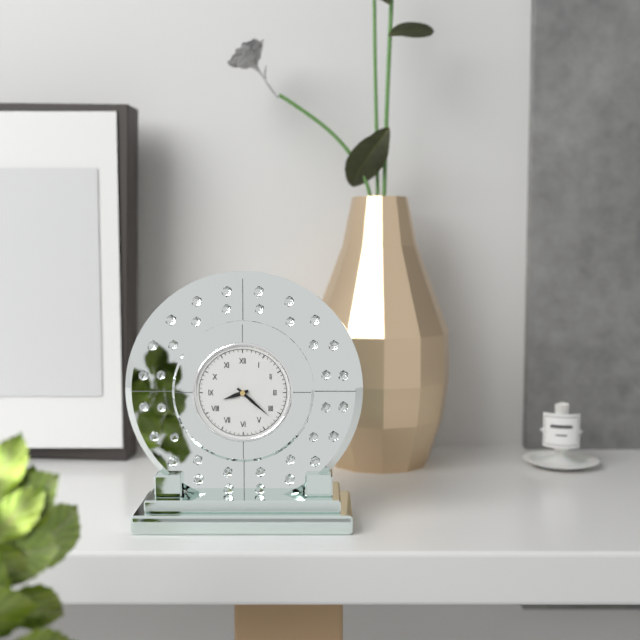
8:22
